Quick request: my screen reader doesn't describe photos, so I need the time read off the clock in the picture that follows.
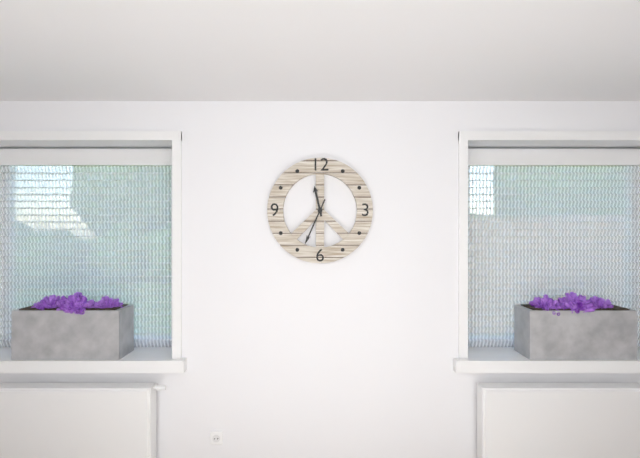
11:34
